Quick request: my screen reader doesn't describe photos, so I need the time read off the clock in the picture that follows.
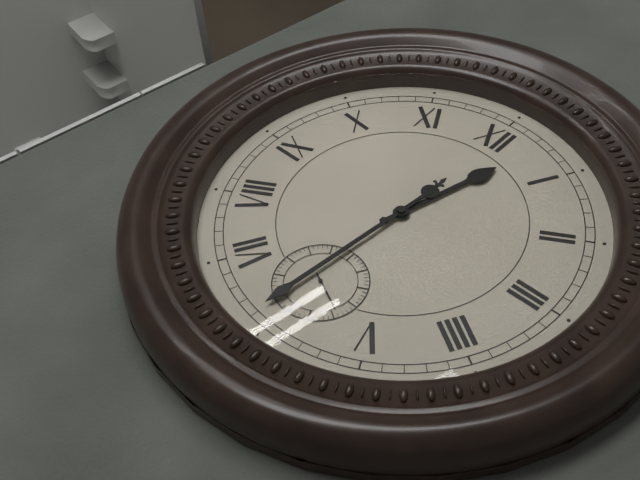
12:31
